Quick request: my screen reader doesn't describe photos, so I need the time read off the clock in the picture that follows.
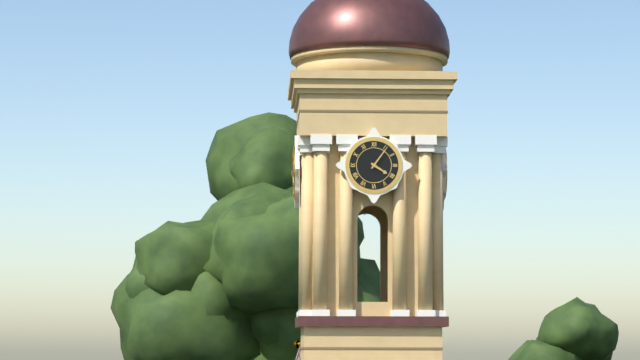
4:06
